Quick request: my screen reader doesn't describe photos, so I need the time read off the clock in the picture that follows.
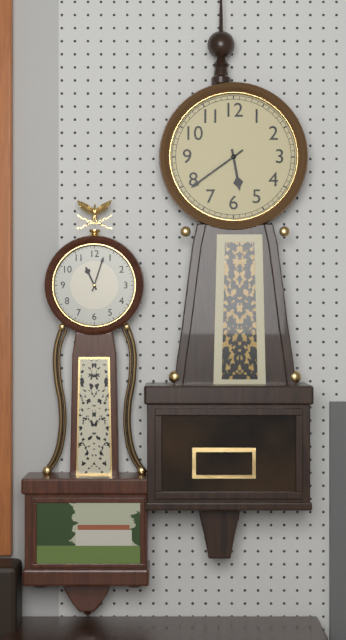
5:39
